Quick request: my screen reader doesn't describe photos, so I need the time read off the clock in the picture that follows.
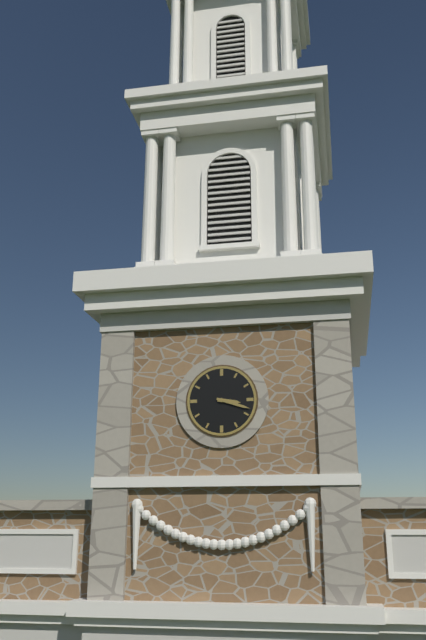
3:18
